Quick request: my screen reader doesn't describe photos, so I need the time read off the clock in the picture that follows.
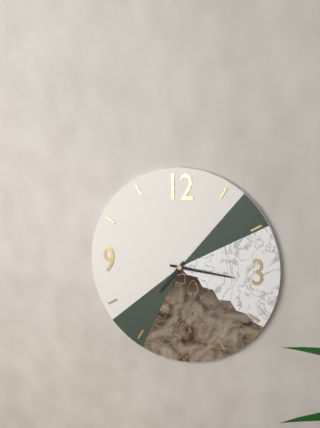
7:16
